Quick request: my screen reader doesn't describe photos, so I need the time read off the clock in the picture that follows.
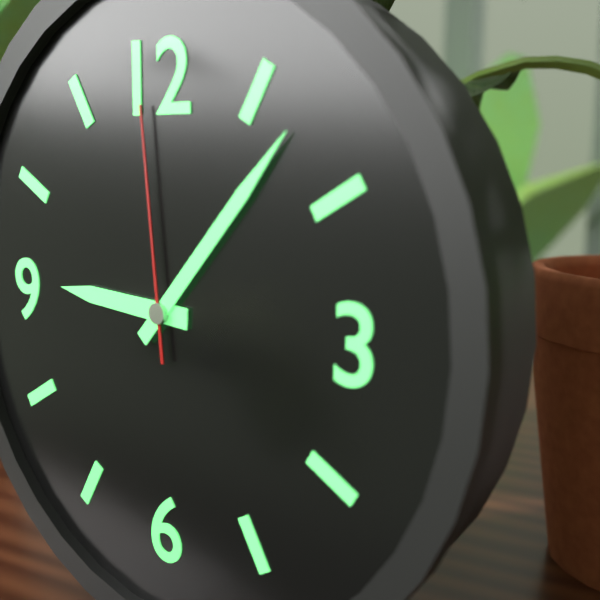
9:07:59
